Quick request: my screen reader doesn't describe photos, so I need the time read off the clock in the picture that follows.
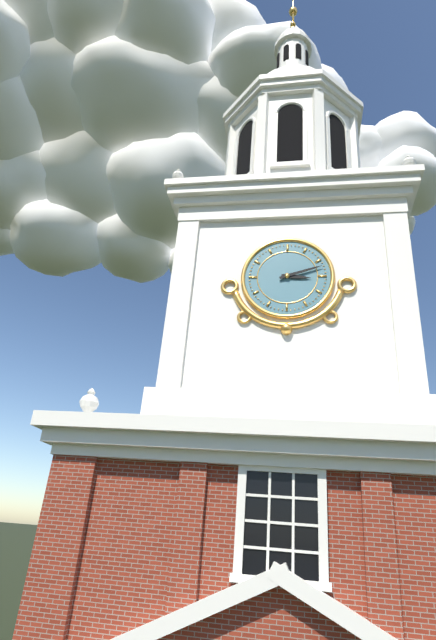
3:12
